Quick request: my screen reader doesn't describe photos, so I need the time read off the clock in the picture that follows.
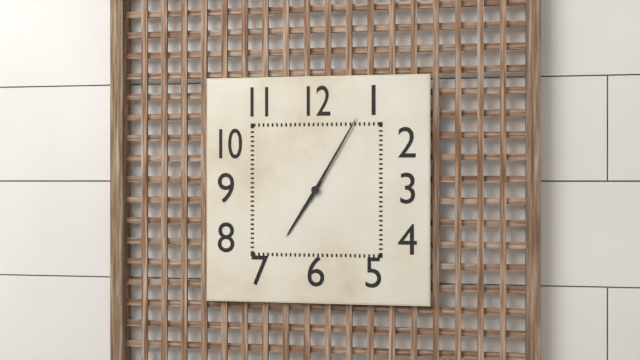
7:05
